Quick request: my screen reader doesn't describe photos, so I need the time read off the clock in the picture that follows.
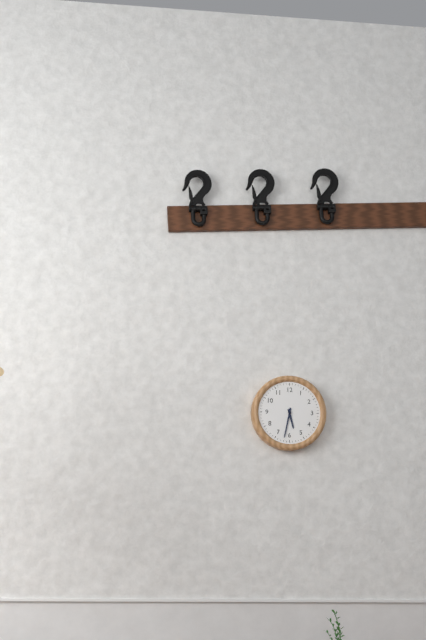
5:32
